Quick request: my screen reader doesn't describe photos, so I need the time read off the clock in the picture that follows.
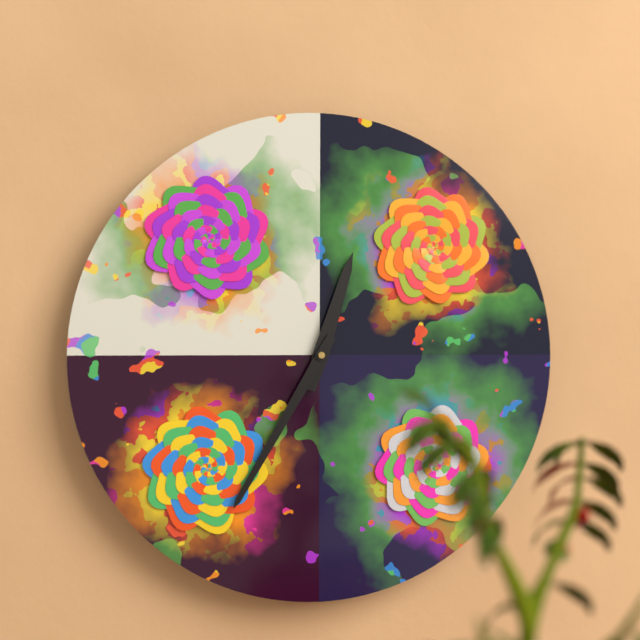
12:35
